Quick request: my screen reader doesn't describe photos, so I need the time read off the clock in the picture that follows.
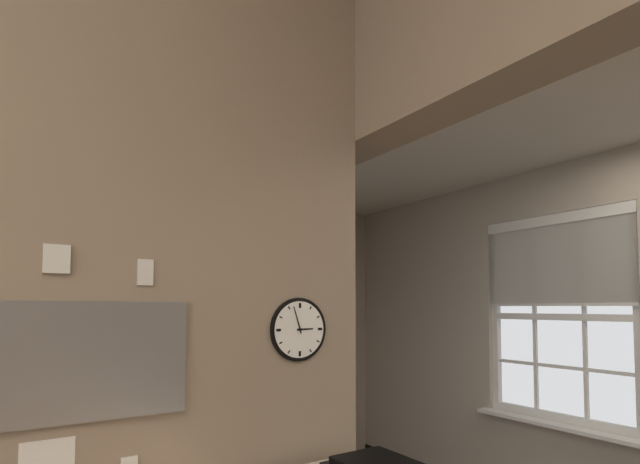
2:57
